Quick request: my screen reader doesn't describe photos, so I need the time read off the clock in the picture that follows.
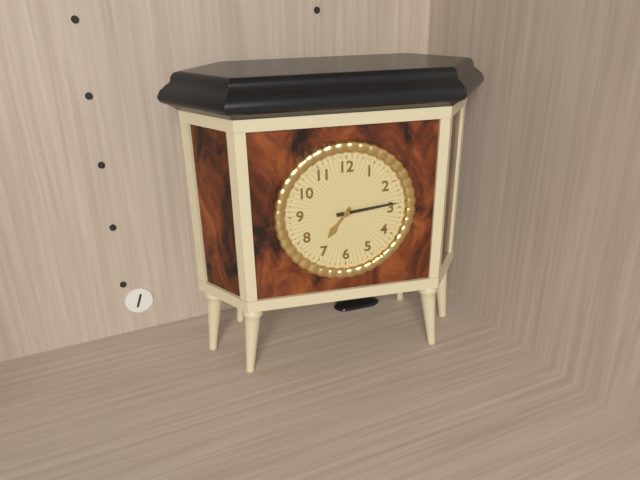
7:14
